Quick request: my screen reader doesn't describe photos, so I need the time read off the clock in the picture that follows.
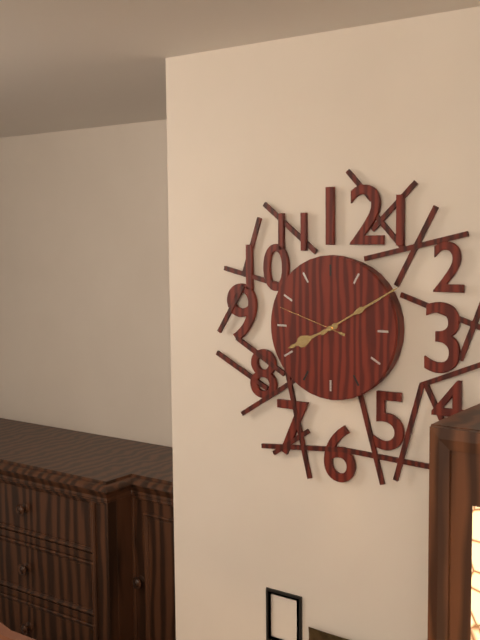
8:10:48
